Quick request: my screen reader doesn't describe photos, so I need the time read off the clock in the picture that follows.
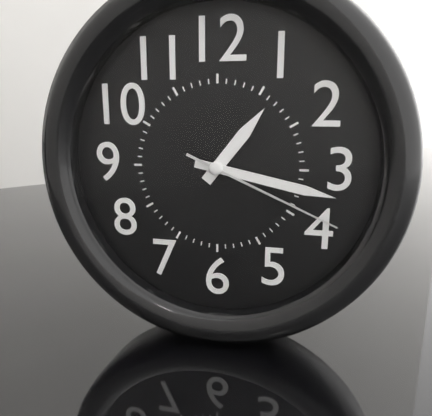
1:17:19
